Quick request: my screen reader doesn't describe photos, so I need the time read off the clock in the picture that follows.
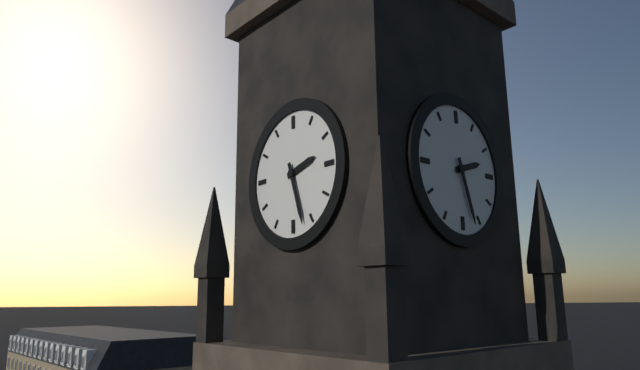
2:27
